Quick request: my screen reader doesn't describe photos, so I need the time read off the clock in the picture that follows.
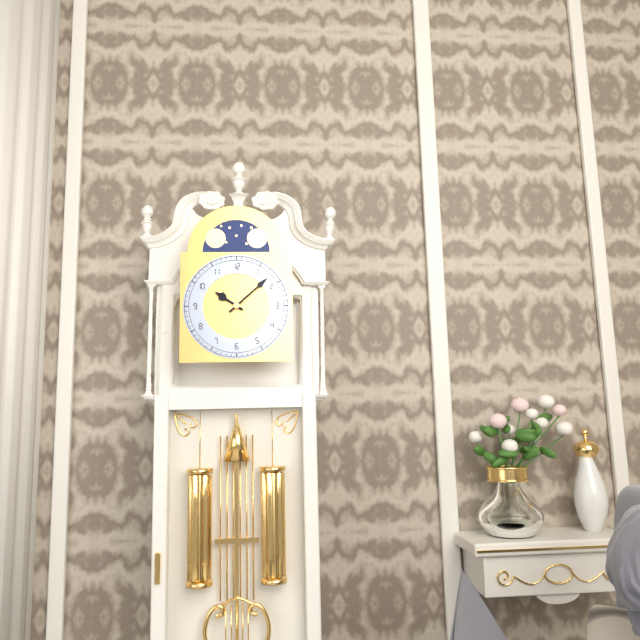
10:08
